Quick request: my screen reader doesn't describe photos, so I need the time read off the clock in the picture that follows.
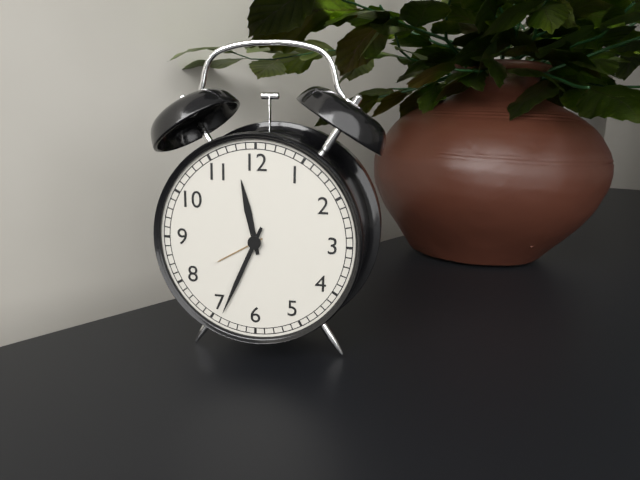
11:34
